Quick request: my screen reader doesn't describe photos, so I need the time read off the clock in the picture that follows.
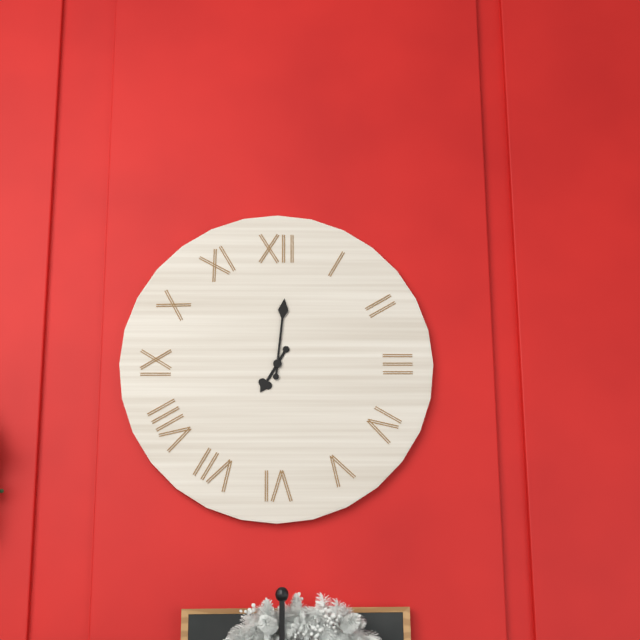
7:01
